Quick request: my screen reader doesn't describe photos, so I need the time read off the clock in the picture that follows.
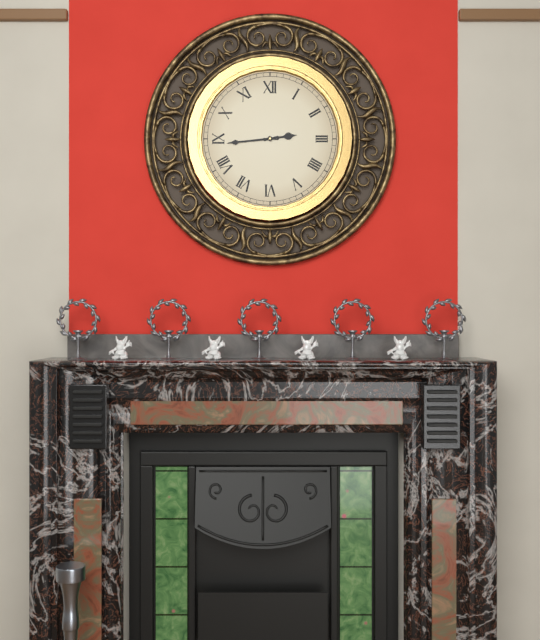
2:44
